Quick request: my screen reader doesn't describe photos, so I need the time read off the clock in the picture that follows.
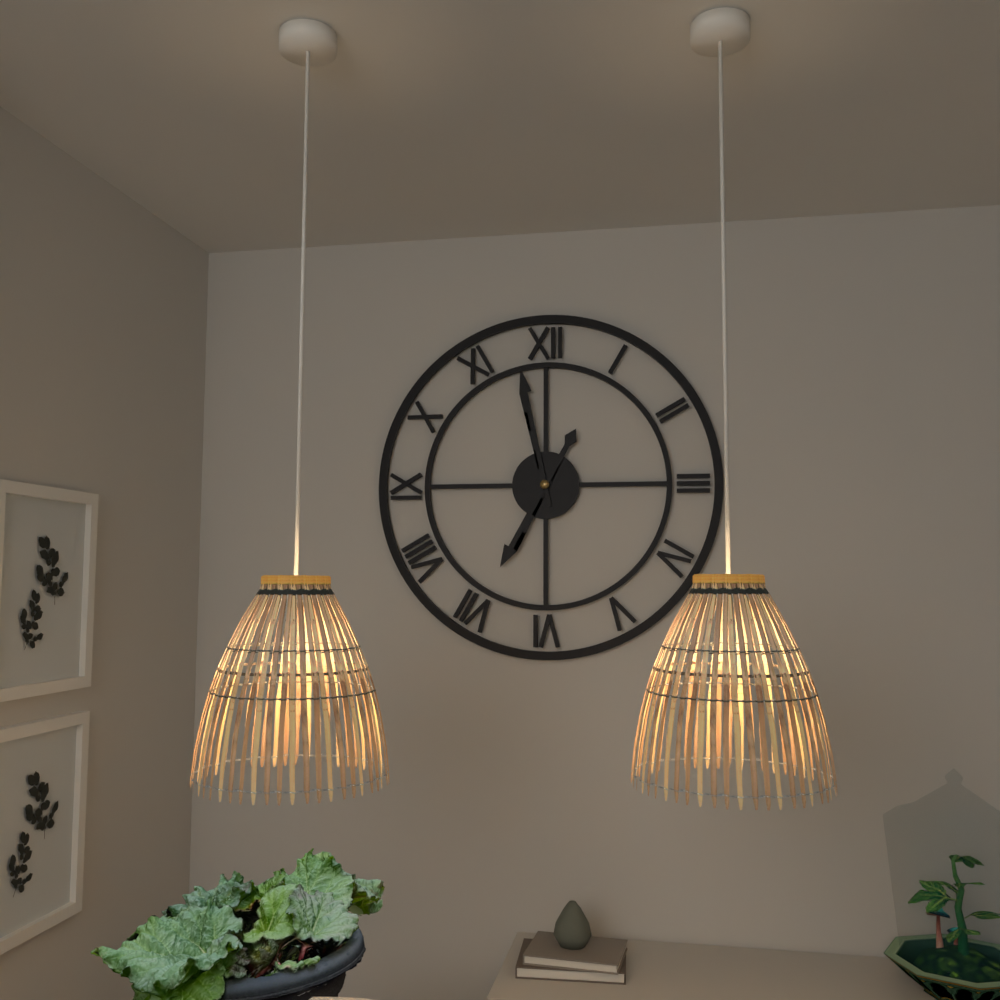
6:58
